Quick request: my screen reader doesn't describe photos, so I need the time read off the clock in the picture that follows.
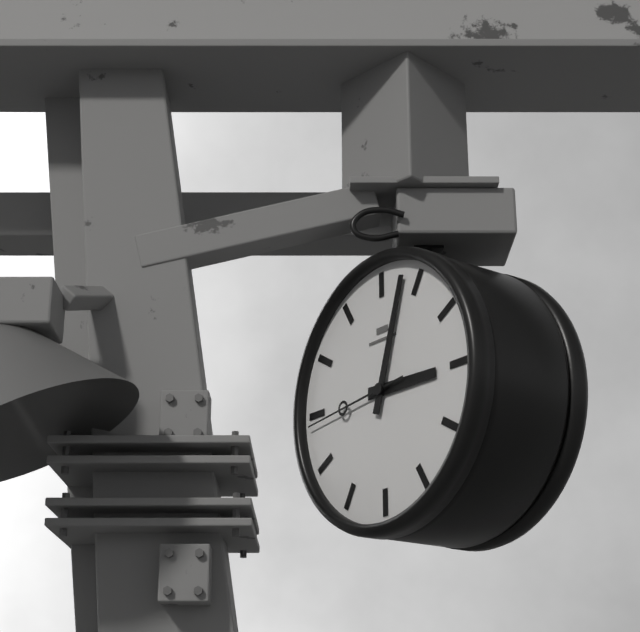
3:03:44
